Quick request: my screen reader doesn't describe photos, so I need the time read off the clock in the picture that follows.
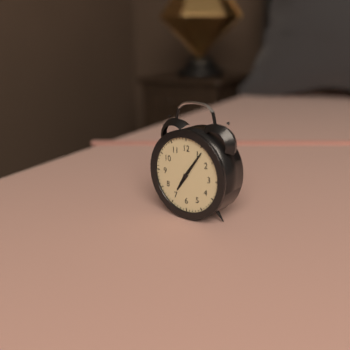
7:06
